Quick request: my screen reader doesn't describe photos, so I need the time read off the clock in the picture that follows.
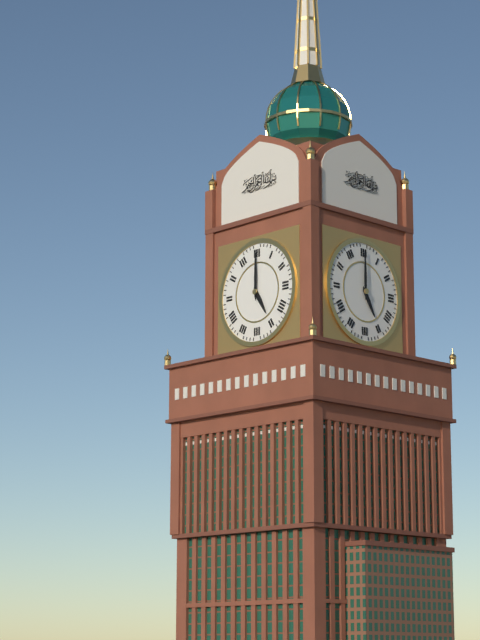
5:00
